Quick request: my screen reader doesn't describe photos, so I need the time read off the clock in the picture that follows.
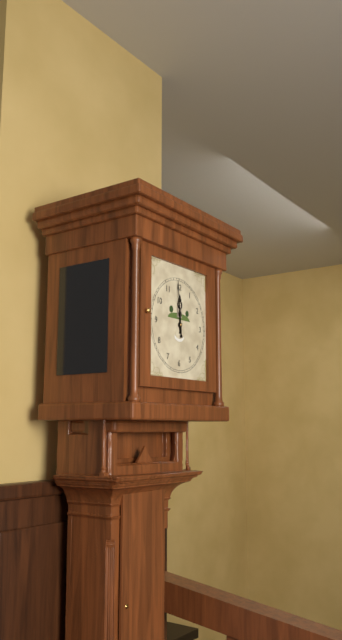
11:59
